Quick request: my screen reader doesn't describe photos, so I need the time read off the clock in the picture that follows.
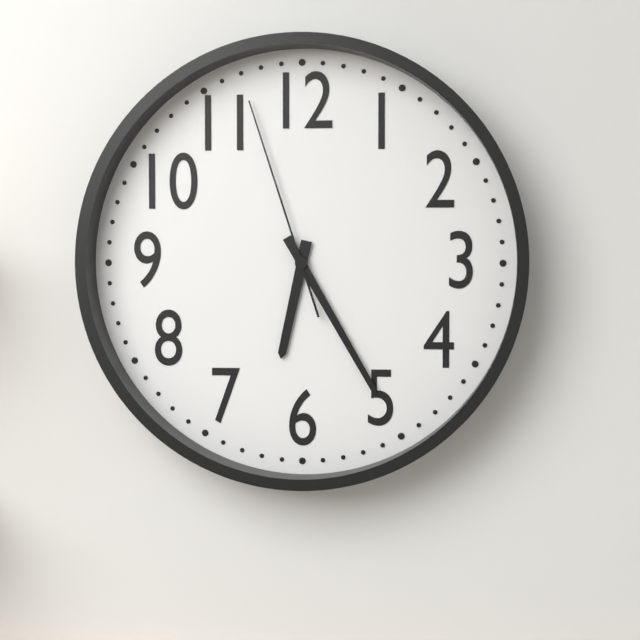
6:25:57
